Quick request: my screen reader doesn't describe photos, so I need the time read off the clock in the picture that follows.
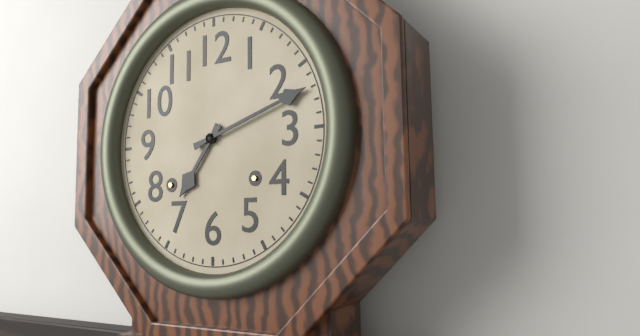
7:12
